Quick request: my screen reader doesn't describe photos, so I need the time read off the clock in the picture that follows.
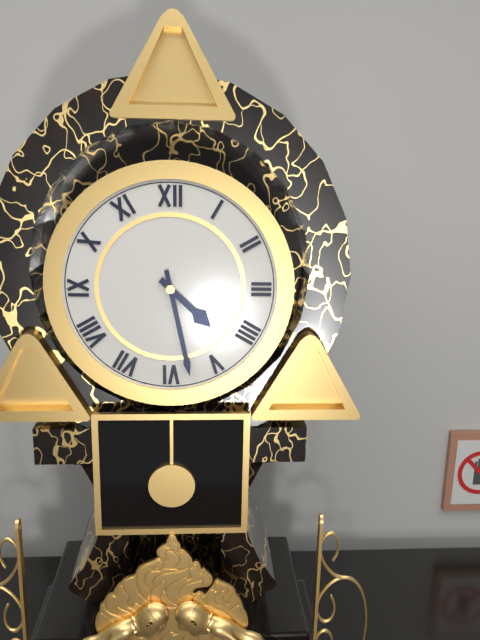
4:28
